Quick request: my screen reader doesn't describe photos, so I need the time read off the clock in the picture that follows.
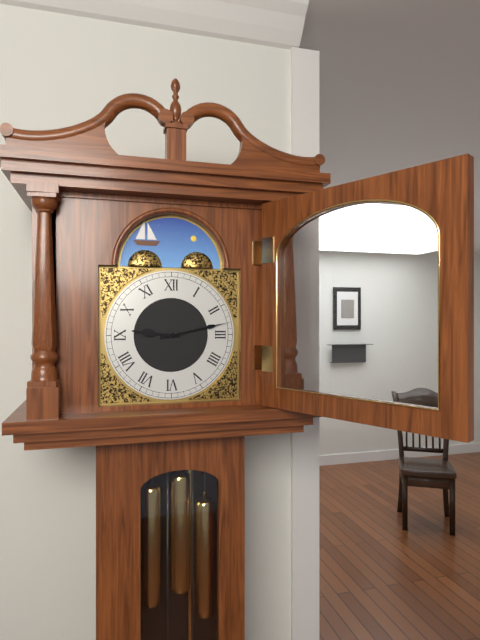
9:13
